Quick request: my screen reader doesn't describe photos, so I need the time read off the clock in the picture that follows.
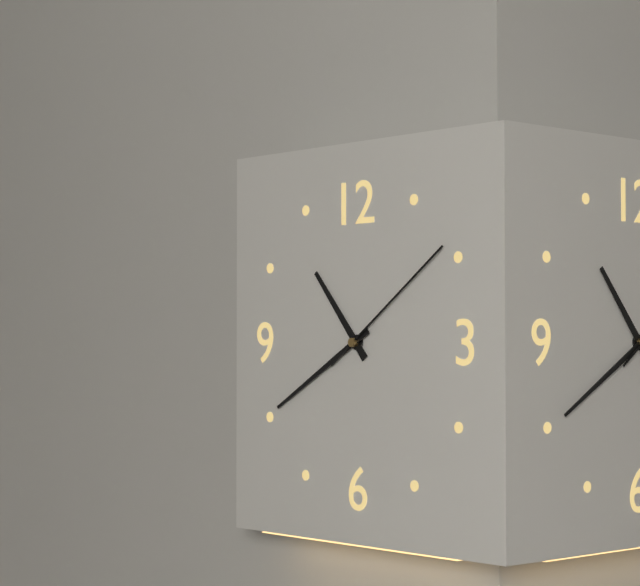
10:40:09
